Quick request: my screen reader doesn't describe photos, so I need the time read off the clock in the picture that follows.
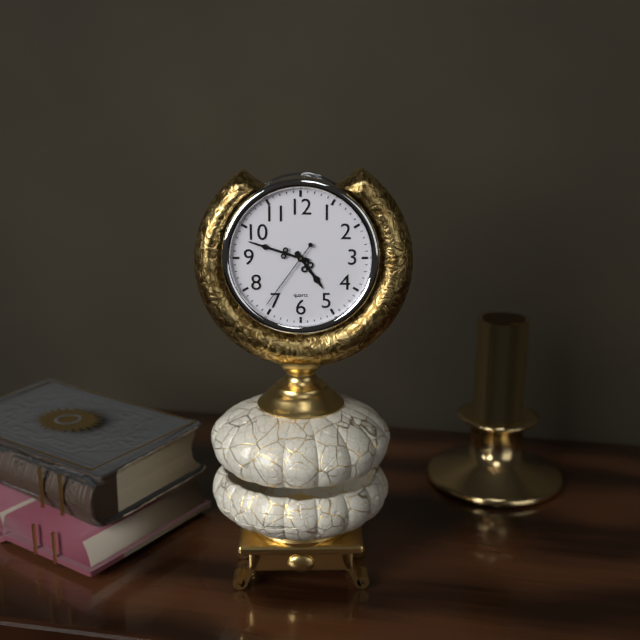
4:48:36
